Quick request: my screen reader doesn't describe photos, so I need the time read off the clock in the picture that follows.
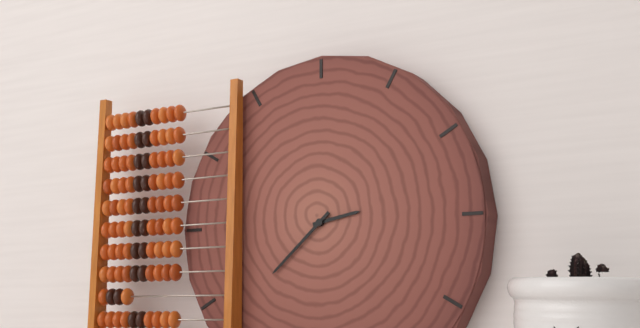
2:38
